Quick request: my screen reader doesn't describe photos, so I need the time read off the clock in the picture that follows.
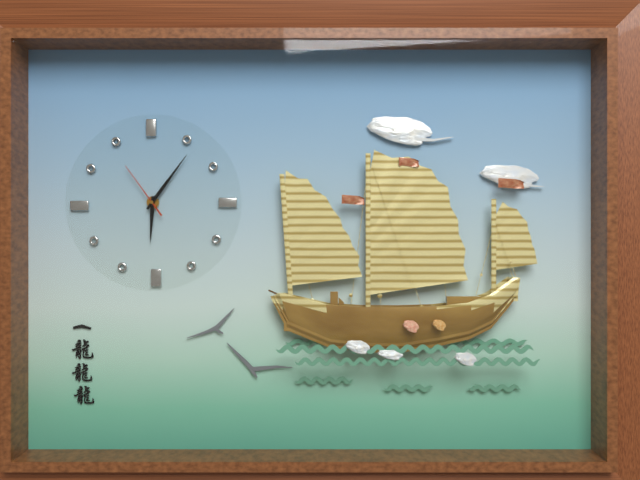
6:06:54
